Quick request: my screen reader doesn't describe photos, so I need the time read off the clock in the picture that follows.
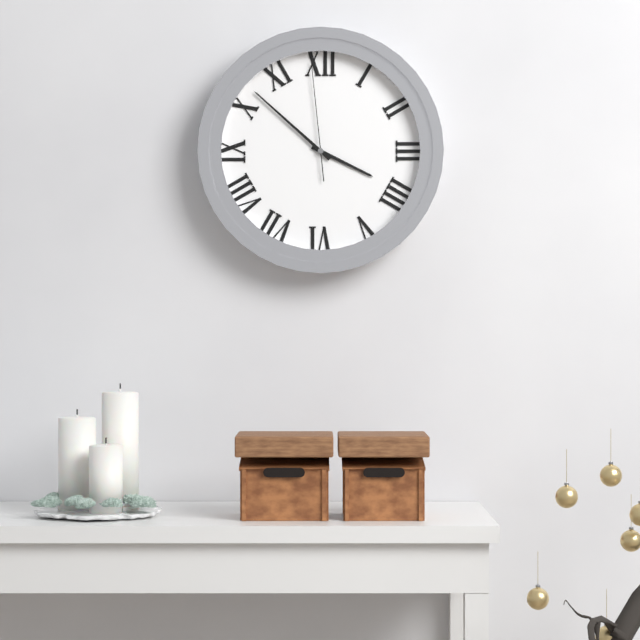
3:52:59
